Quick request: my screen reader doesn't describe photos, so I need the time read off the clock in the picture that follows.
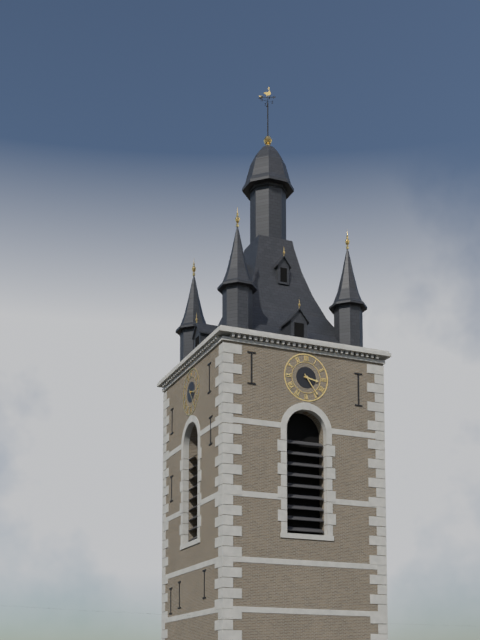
3:24
